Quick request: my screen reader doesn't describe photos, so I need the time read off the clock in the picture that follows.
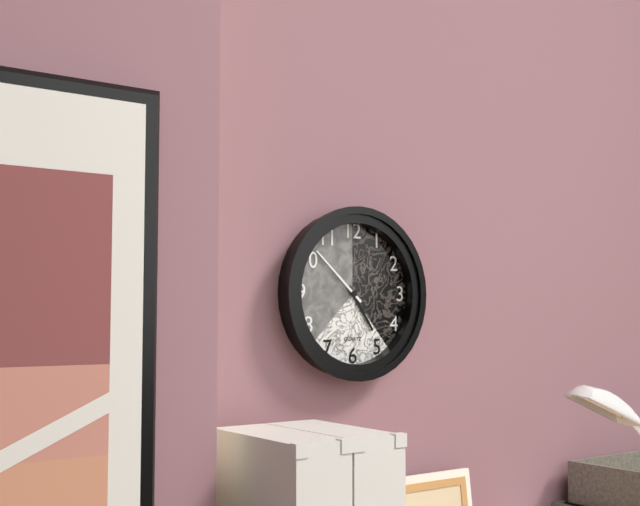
4:52
